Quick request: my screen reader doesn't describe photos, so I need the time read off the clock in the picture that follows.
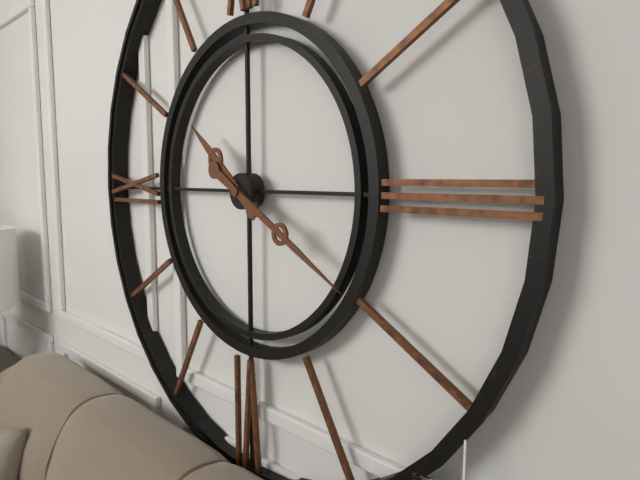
10:20
